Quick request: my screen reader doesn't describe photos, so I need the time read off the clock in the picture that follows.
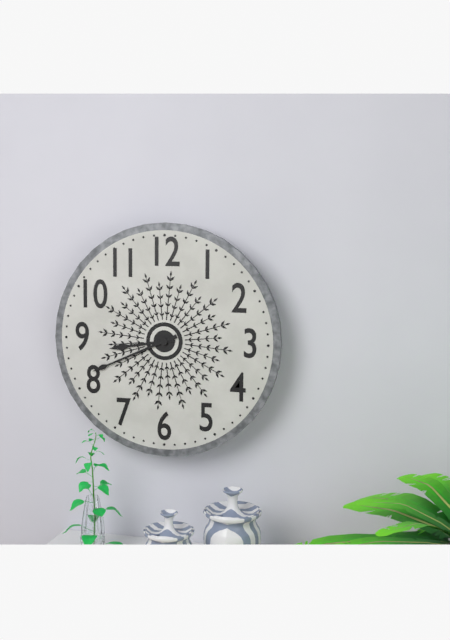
8:41
